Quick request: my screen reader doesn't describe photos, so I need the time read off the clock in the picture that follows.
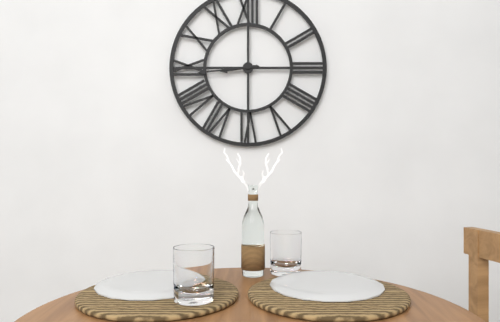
8:44
